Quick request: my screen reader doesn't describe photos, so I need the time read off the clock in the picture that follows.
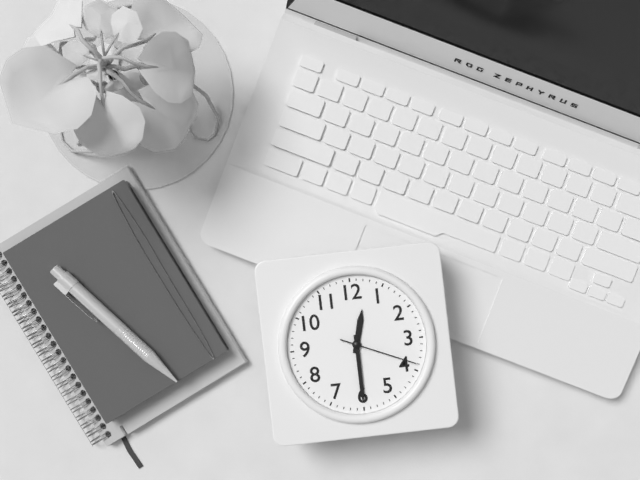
12:30:19
